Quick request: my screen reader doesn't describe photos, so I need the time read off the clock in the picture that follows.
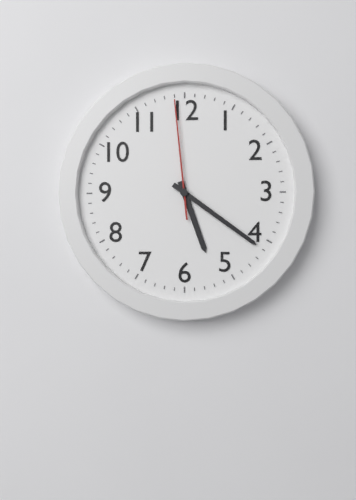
5:21:59
